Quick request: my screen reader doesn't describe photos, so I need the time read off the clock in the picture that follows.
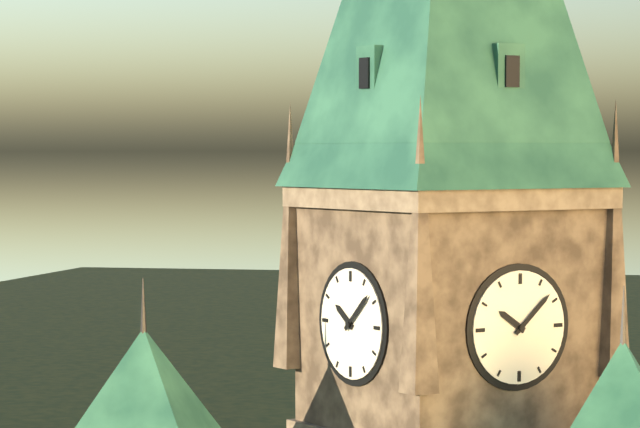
10:08
